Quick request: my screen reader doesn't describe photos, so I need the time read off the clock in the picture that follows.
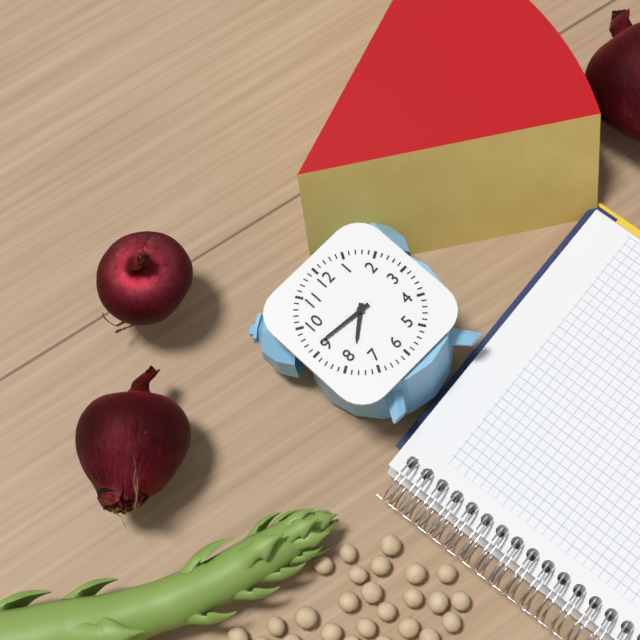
7:46
